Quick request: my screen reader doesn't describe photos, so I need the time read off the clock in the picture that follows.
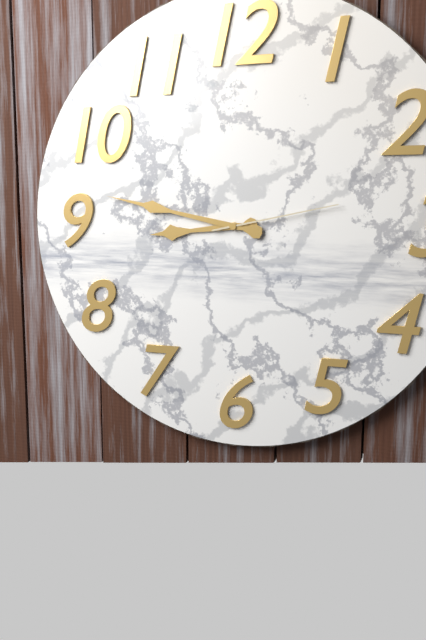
8:47:13
